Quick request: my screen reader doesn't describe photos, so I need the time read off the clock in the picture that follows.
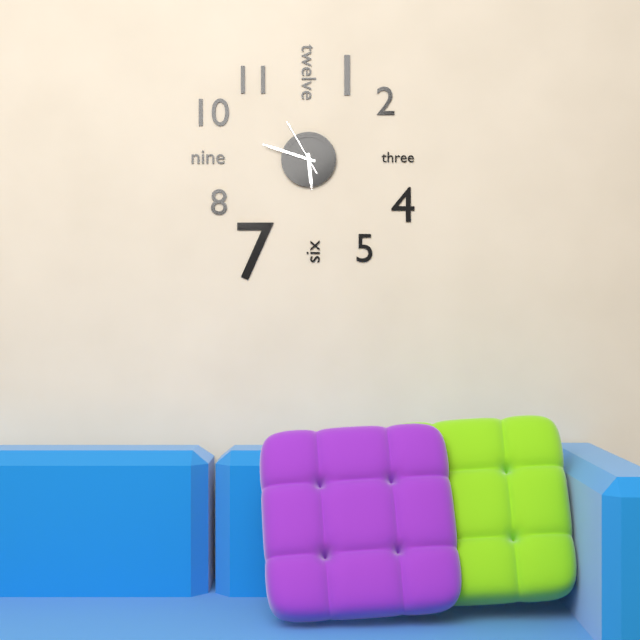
5:48:55
